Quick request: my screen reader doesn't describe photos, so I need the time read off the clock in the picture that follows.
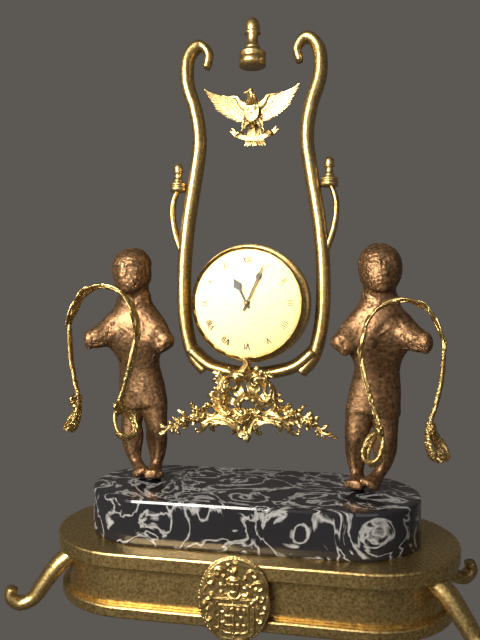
11:04
